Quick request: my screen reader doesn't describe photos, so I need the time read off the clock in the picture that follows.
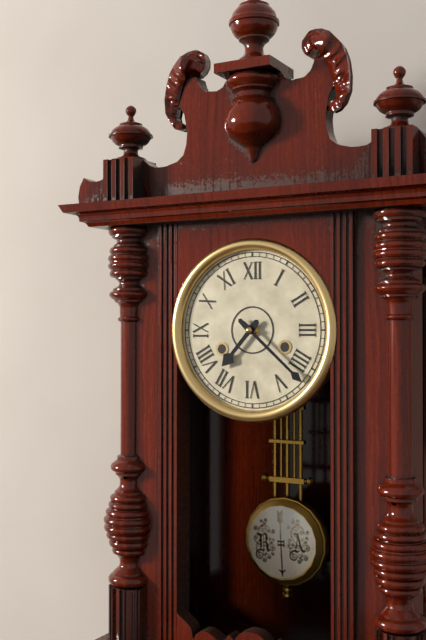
7:22
